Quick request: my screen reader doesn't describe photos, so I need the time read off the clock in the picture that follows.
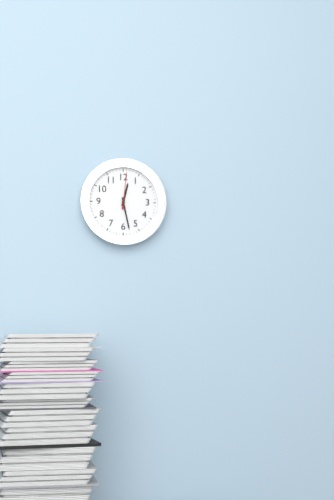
12:28
